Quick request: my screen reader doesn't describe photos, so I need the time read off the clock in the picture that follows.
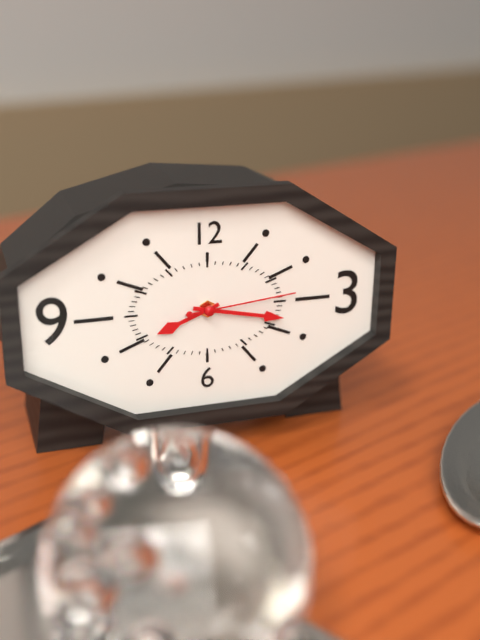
8:17:14
